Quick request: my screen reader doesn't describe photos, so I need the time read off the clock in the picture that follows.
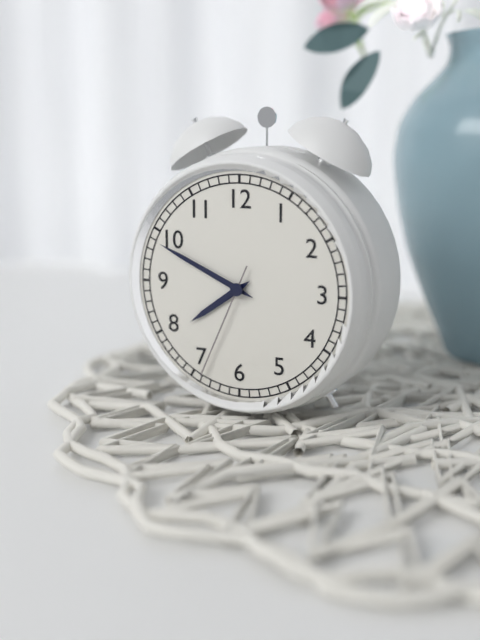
7:49:34
